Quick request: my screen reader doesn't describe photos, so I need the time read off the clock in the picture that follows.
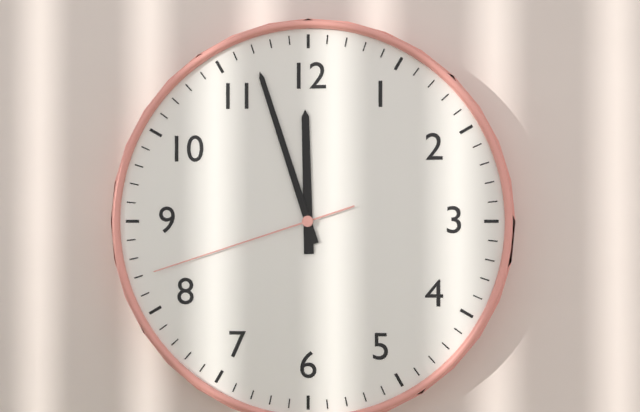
11:57:42
